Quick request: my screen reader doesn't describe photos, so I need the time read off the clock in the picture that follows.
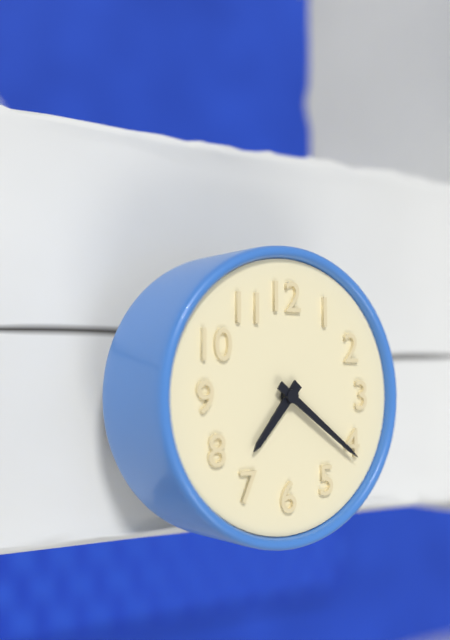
7:21
